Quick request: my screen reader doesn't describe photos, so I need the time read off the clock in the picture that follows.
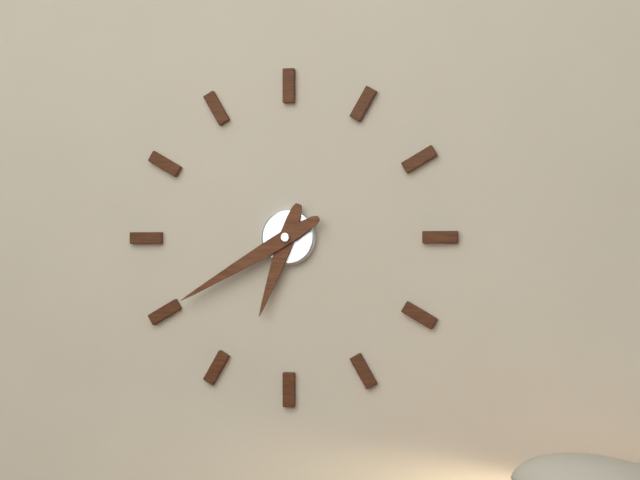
6:40
